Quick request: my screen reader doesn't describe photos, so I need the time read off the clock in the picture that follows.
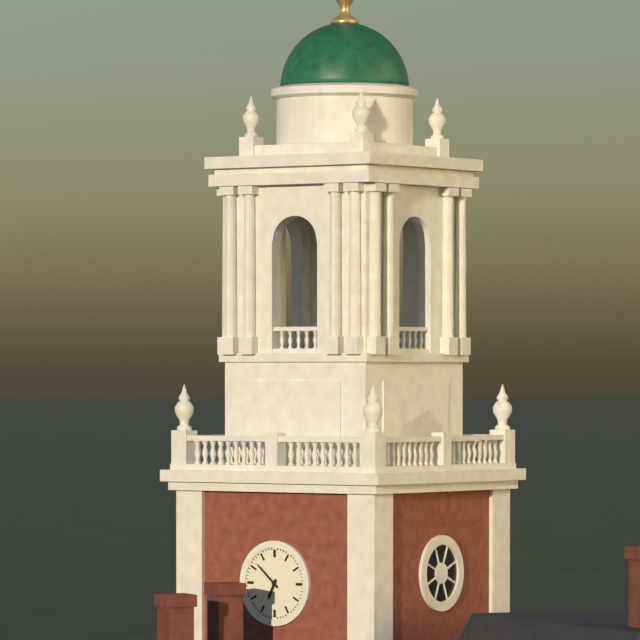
6:52
